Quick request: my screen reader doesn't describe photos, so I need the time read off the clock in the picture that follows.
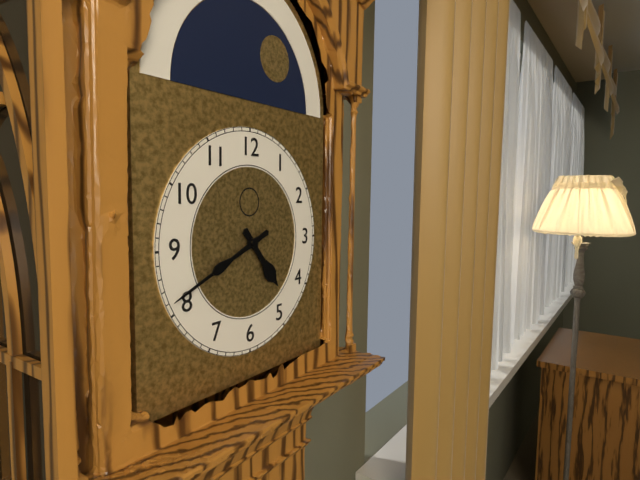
4:41
